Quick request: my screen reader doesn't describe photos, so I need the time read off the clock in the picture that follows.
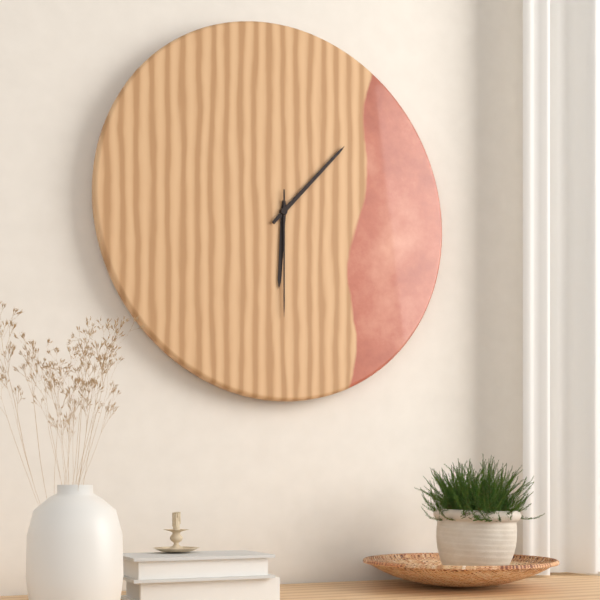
6:07:30
